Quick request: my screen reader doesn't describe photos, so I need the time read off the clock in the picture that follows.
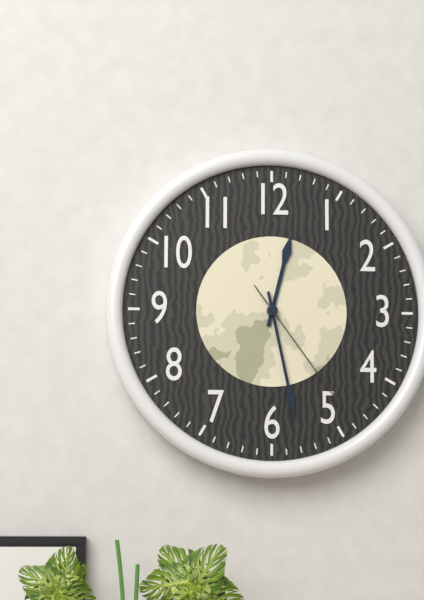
12:28:24
